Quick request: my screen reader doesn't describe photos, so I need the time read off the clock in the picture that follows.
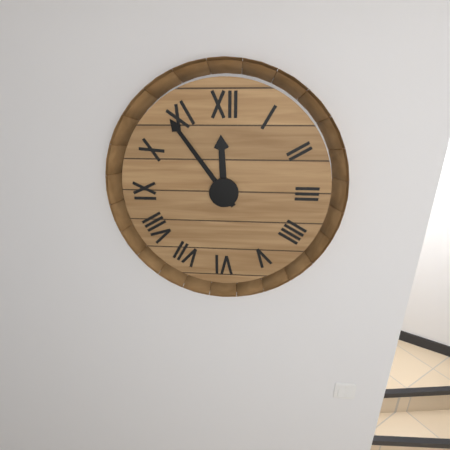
11:54
